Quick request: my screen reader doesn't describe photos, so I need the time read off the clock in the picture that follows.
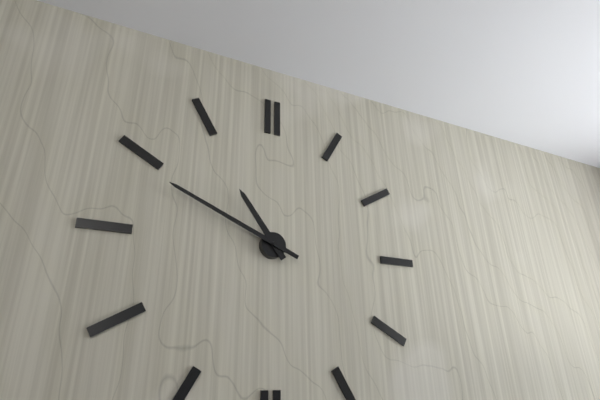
10:49
